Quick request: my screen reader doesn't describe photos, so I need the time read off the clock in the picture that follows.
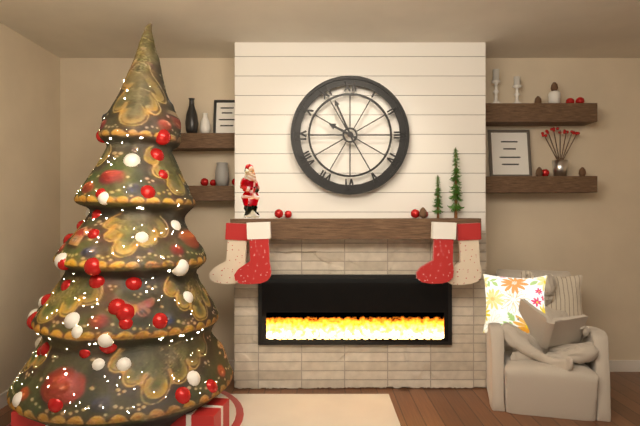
9:56
